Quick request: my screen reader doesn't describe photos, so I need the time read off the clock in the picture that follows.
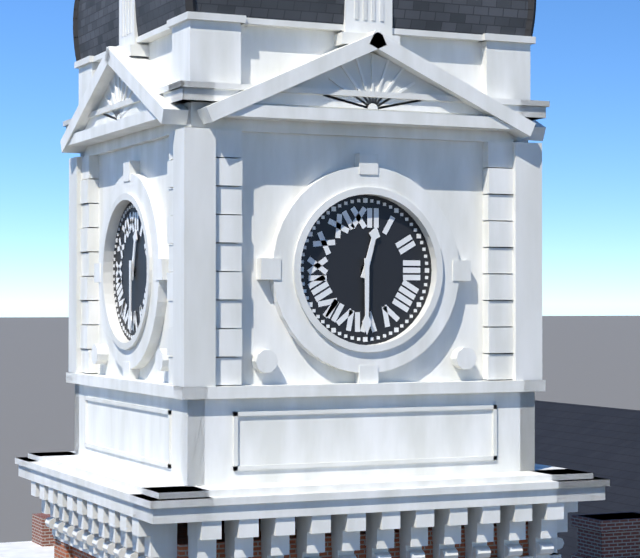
12:30
